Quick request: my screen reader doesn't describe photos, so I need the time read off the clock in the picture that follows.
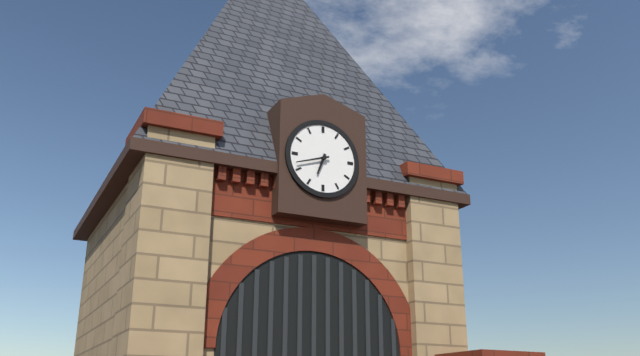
6:42
